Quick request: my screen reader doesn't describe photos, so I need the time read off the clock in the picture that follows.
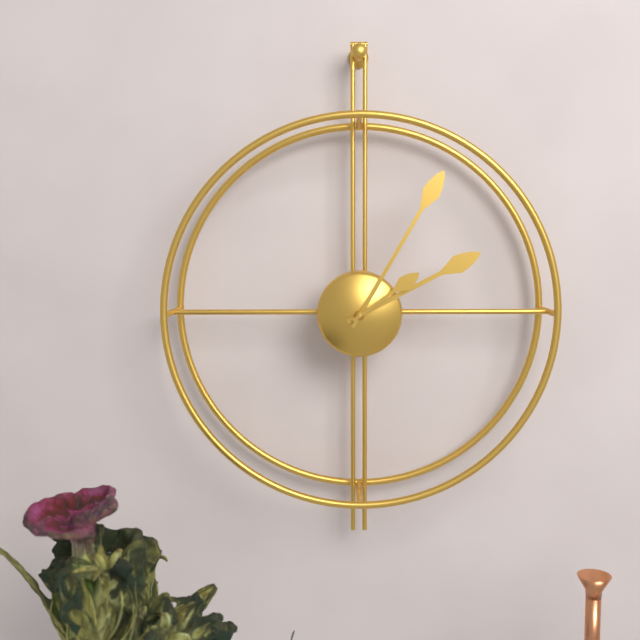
2:05:09
